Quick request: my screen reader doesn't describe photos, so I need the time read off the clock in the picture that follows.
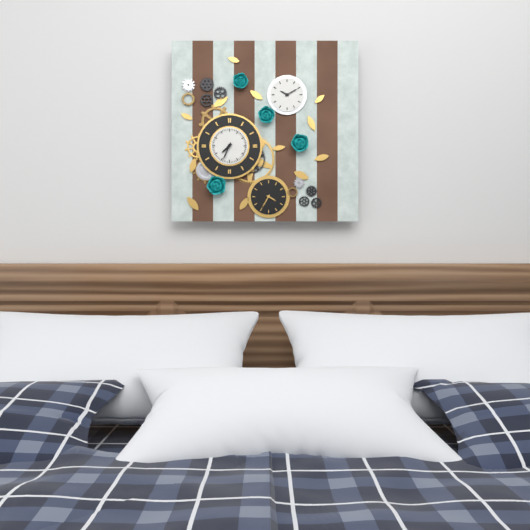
7:34
